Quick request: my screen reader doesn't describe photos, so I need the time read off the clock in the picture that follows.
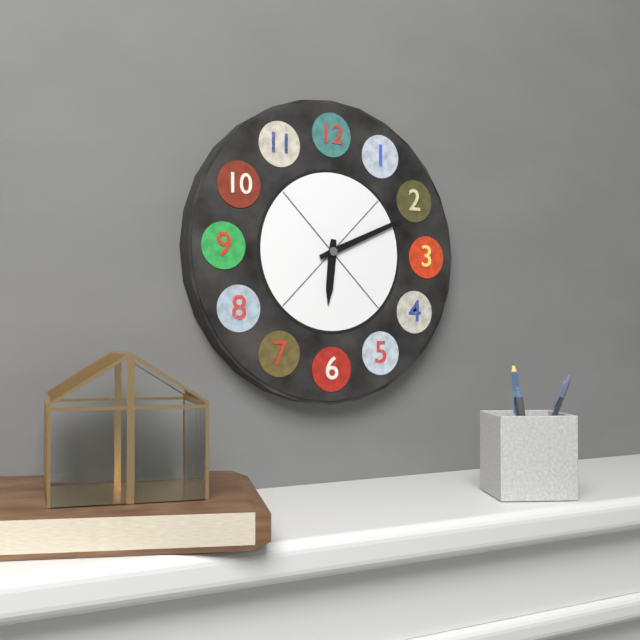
6:11
